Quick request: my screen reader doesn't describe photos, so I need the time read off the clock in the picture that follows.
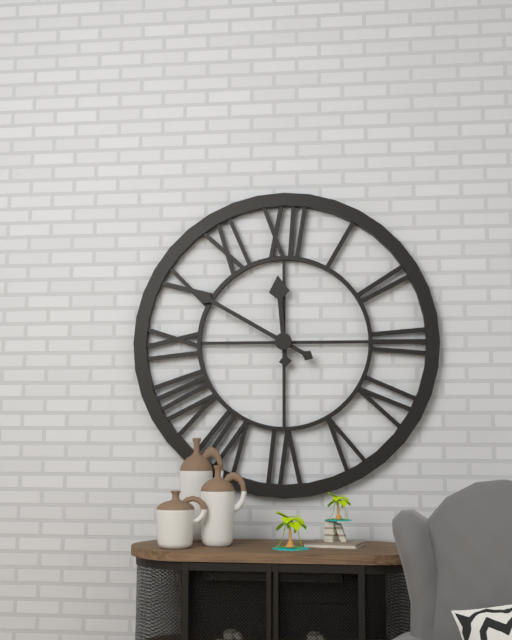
11:50
